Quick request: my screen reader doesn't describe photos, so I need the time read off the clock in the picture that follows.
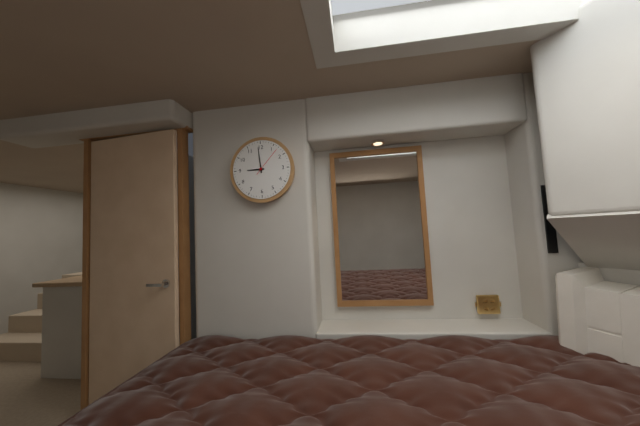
8:59
